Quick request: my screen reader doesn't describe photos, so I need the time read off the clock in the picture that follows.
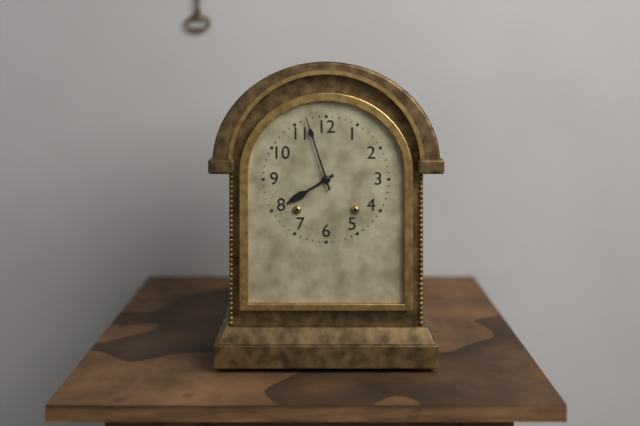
7:57
